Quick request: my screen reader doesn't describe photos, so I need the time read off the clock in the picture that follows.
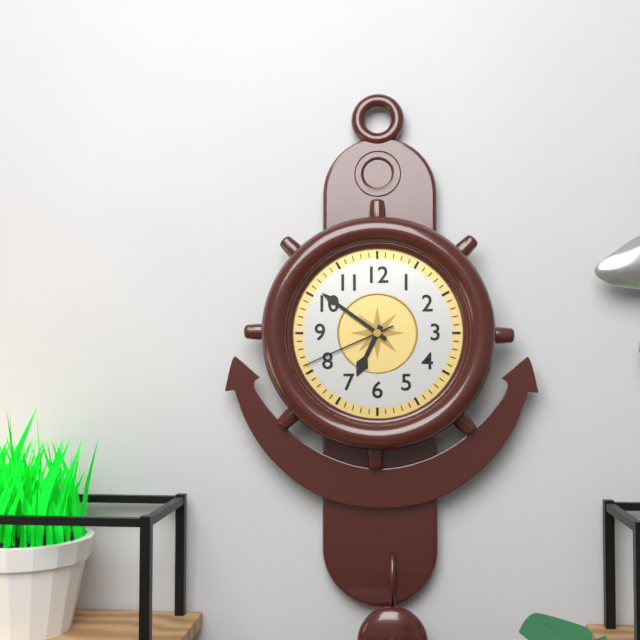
6:51:41
